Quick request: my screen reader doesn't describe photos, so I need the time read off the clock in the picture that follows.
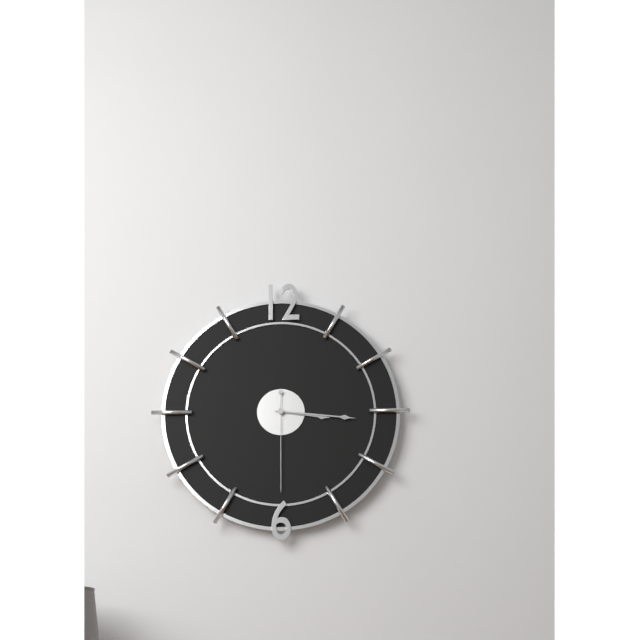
3:16:30
